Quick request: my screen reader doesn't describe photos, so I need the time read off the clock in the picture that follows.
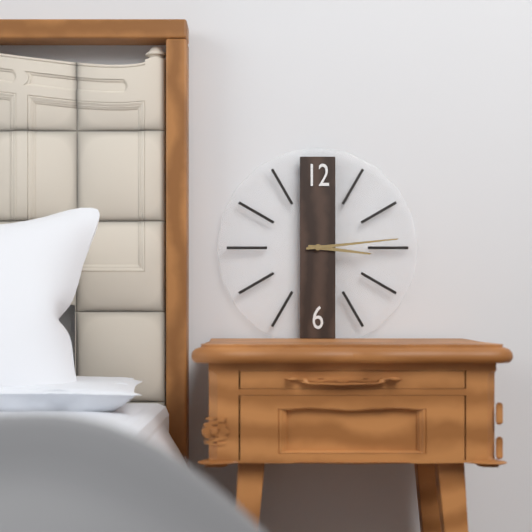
3:14
